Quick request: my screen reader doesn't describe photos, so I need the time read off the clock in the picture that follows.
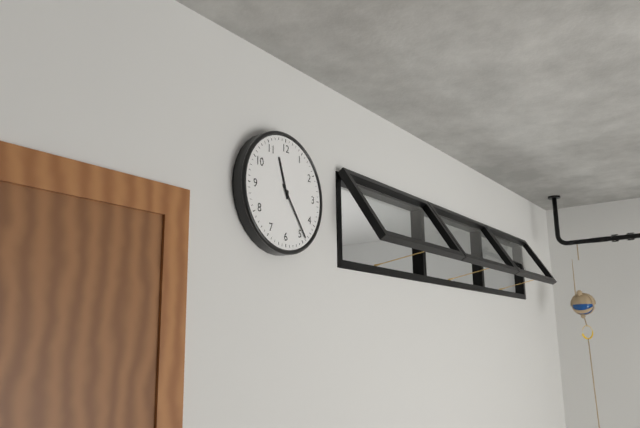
11:24
